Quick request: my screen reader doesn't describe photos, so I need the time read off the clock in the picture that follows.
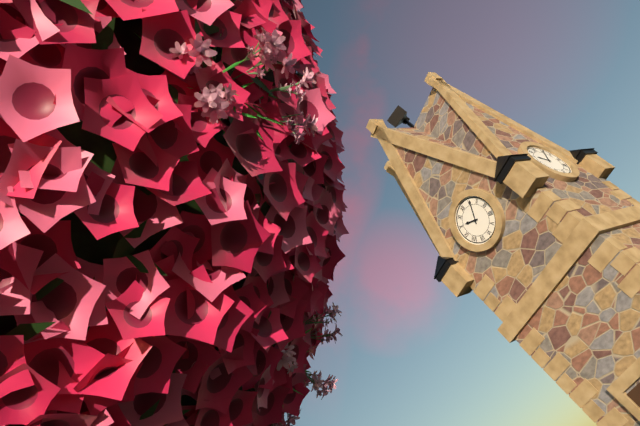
10:06
